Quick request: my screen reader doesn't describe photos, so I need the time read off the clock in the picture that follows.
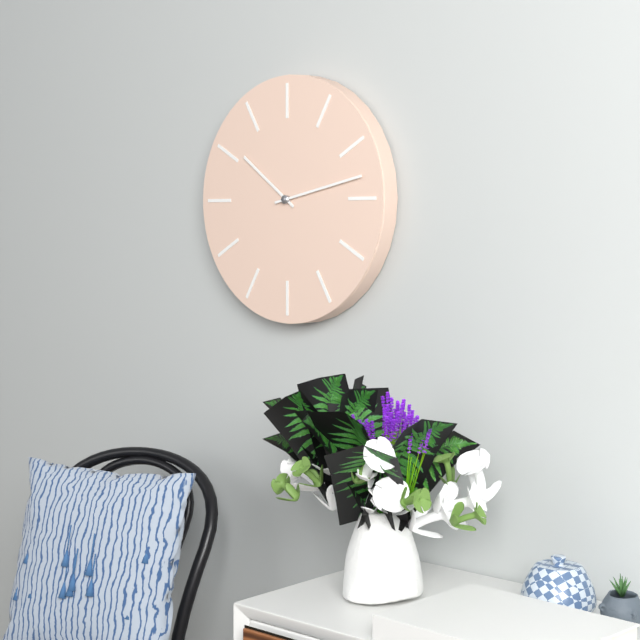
10:13
